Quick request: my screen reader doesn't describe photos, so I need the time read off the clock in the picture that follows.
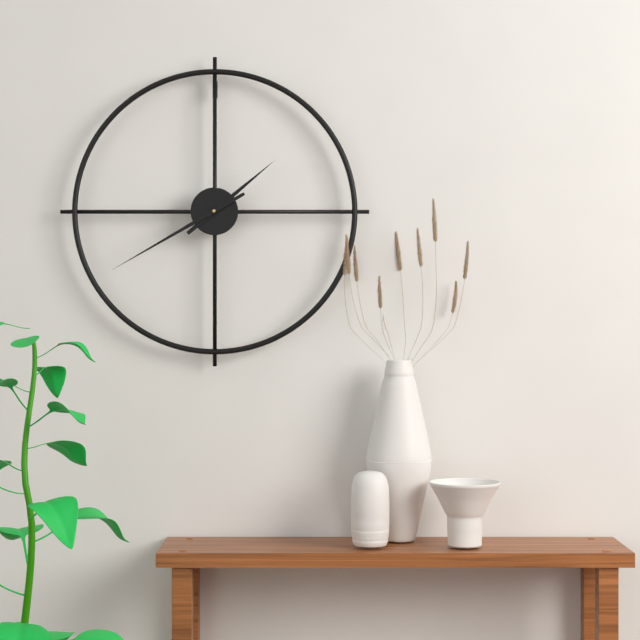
1:40
